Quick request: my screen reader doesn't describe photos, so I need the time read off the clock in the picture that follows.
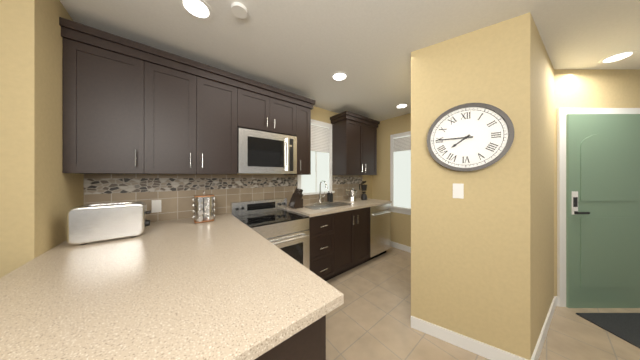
7:45
